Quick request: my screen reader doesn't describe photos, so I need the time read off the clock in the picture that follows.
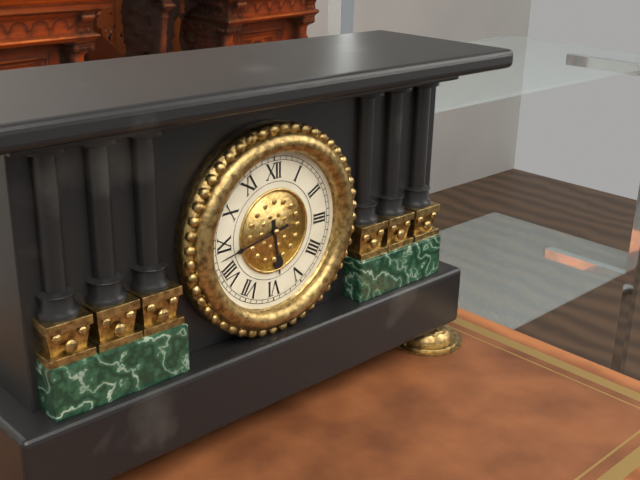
5:43
